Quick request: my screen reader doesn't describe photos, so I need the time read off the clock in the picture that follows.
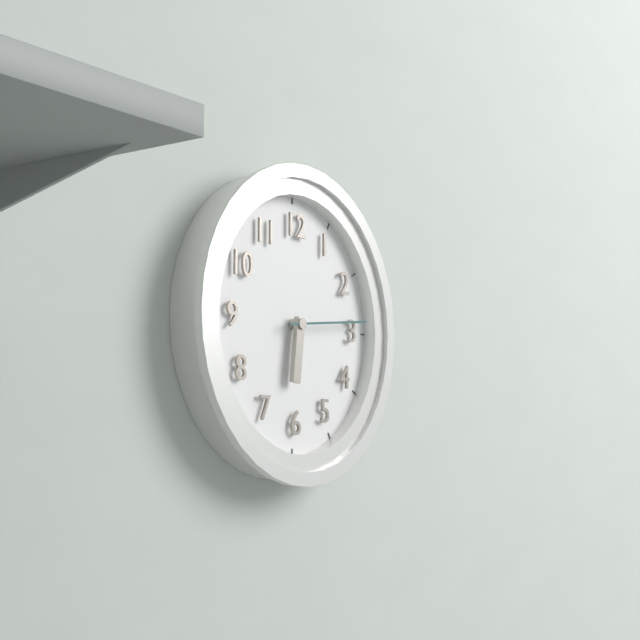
6:14
